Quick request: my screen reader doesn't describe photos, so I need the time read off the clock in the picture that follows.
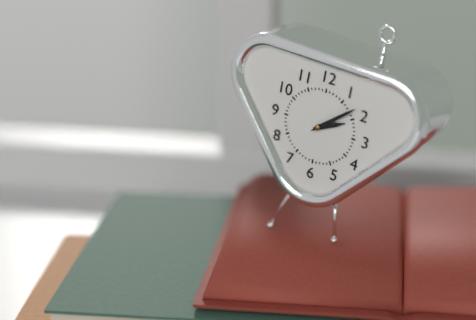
2:08
